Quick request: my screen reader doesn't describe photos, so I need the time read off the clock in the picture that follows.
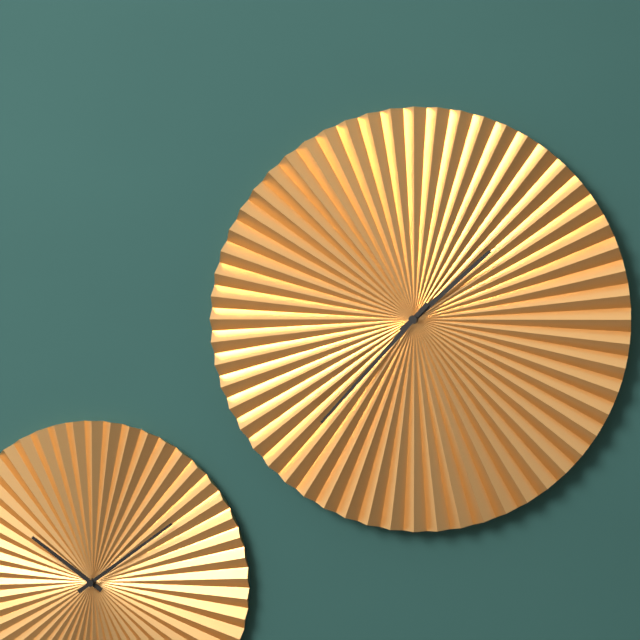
1:37
